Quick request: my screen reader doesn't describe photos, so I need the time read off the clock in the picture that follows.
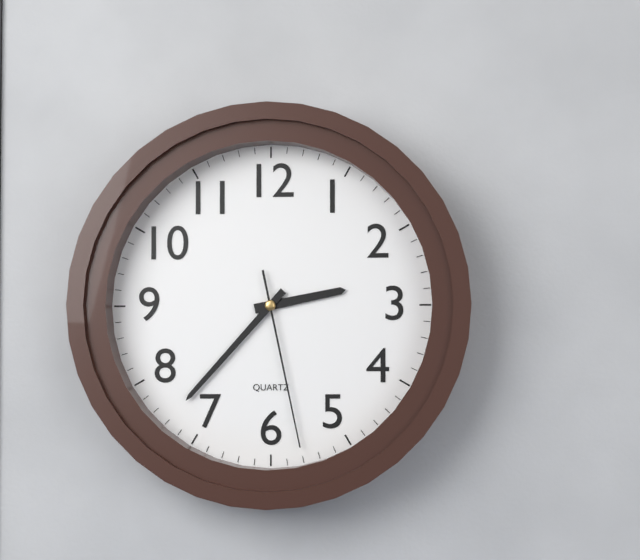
2:37:28
